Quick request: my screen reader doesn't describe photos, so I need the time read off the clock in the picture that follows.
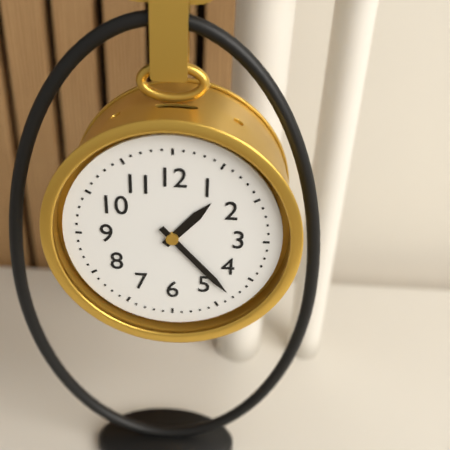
1:23
